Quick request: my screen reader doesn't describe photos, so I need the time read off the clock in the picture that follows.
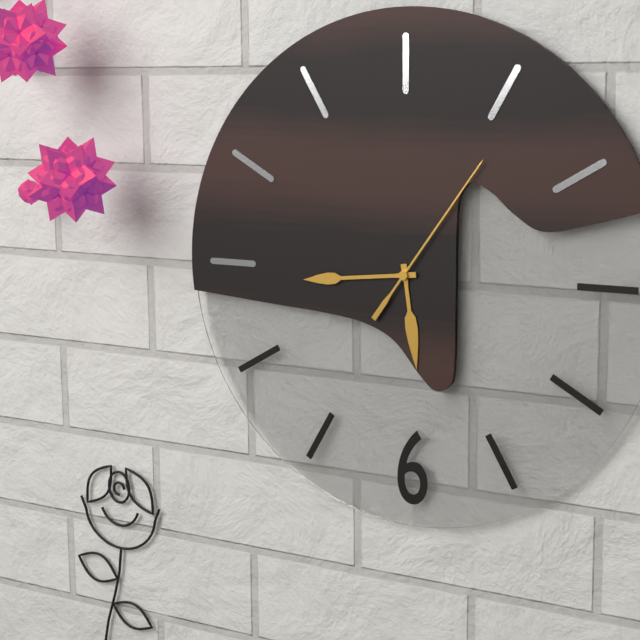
5:44:06
